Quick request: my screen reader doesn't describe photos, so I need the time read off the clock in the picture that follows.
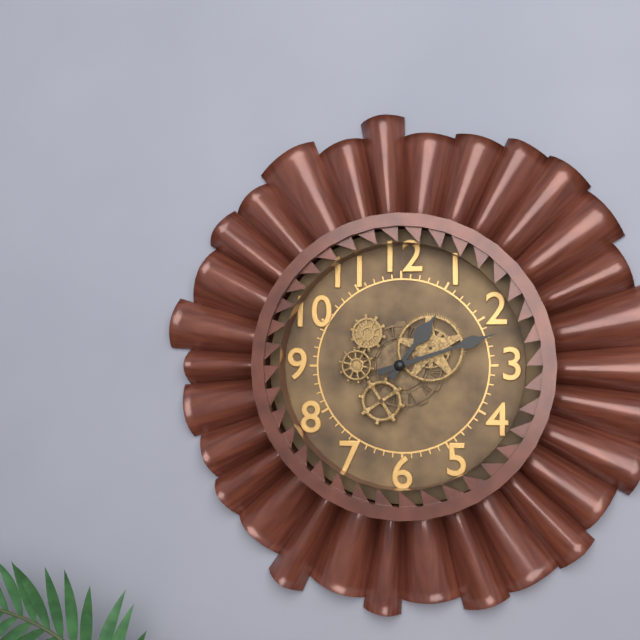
1:12
